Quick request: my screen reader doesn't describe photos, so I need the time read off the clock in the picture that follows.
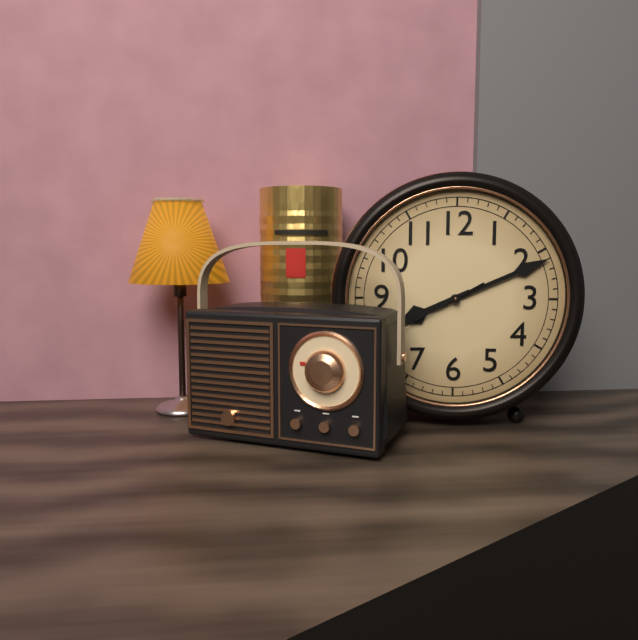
8:11
